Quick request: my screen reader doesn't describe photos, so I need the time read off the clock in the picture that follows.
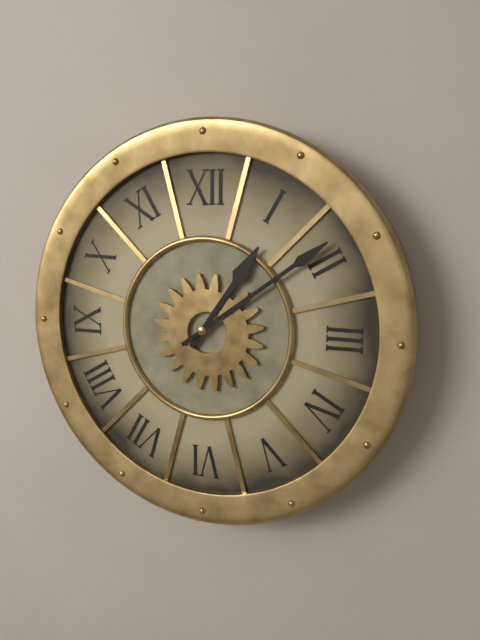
1:09
